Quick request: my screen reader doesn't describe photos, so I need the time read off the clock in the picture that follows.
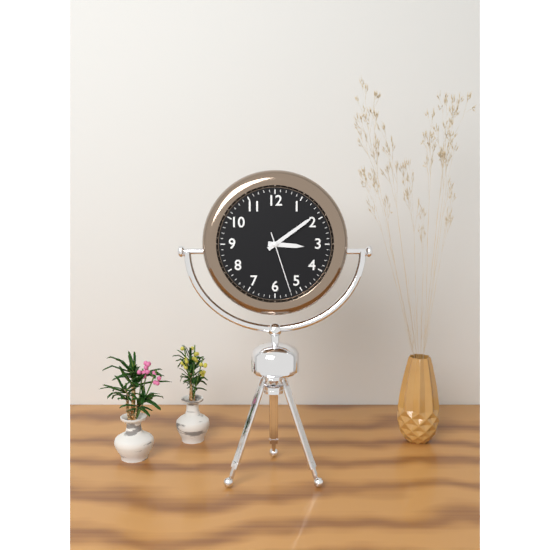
3:09:27
